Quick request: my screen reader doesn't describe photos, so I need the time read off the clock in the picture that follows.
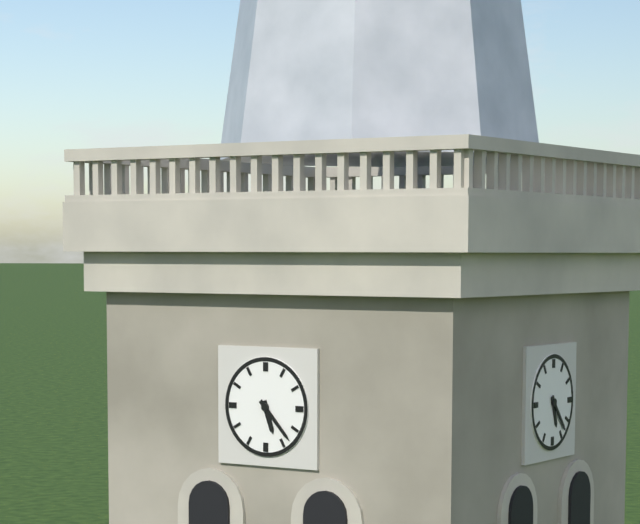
5:23
